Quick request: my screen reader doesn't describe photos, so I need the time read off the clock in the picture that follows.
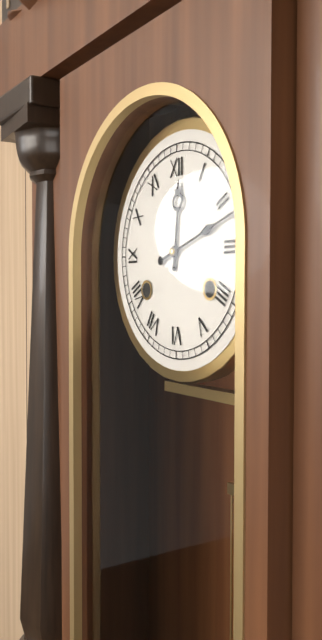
12:12
